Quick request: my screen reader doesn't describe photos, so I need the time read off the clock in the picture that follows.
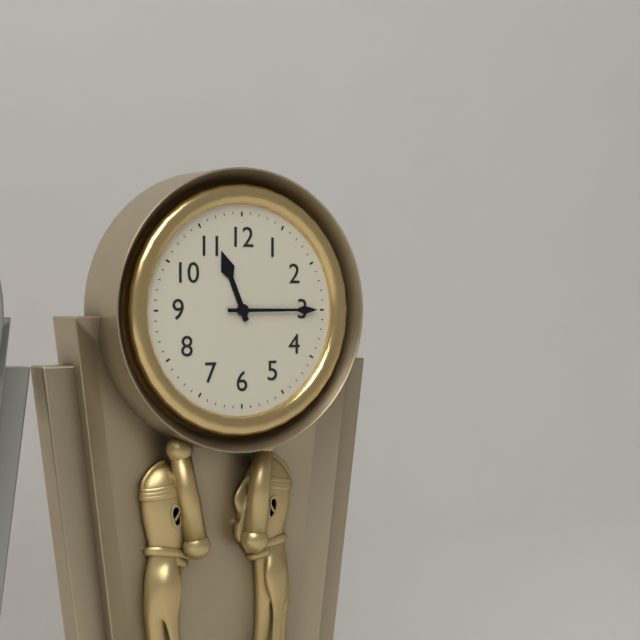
11:15
